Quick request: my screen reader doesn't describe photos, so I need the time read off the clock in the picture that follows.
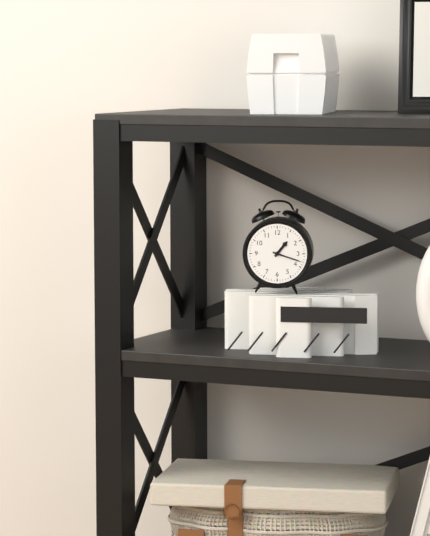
1:18
